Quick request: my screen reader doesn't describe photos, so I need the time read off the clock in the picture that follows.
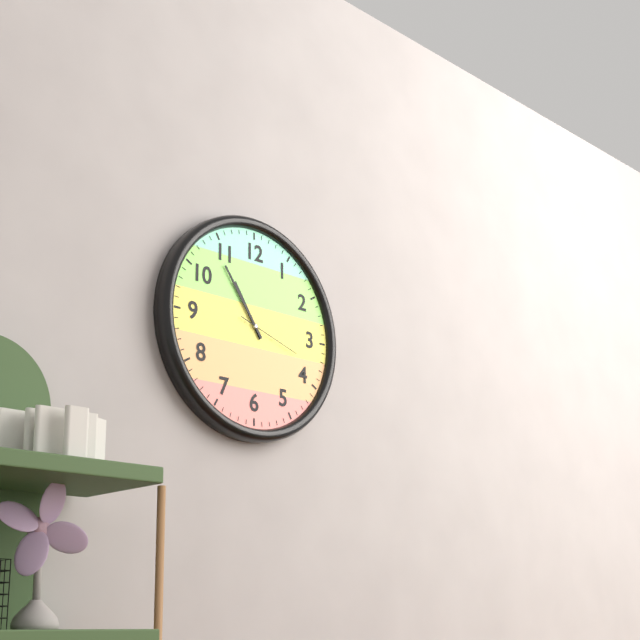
10:54:18
